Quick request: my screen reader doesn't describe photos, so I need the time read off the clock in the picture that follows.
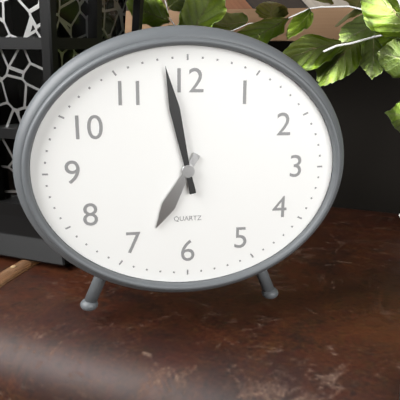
6:58
